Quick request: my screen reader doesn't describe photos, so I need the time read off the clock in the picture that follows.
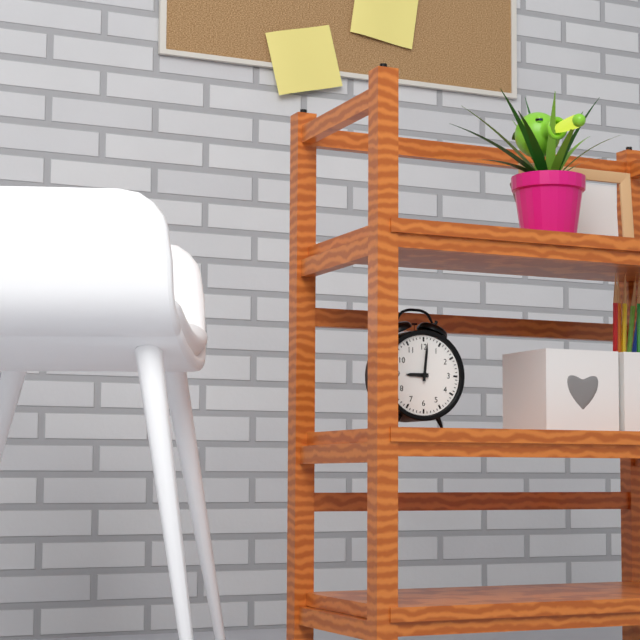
9:01
